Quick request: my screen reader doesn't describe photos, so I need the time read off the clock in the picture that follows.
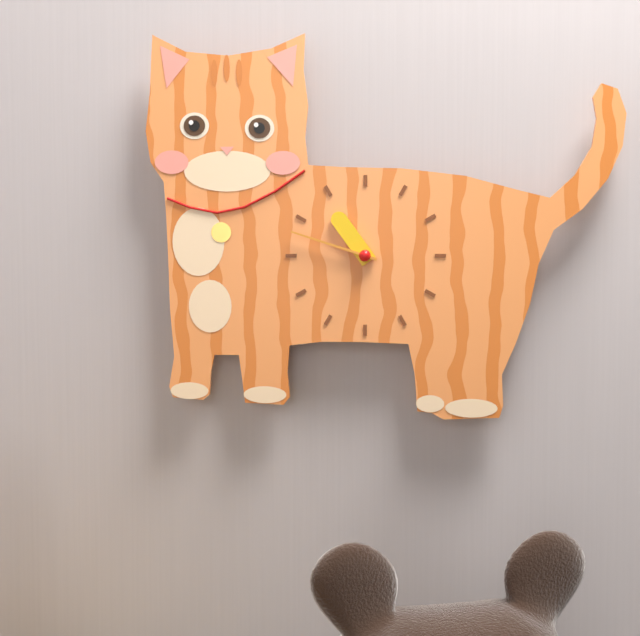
10:48
